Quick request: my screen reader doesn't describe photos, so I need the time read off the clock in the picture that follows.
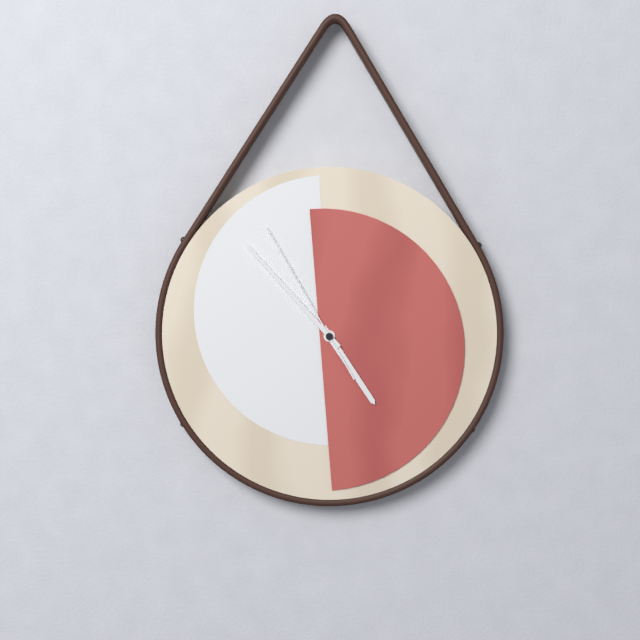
4:53:55
